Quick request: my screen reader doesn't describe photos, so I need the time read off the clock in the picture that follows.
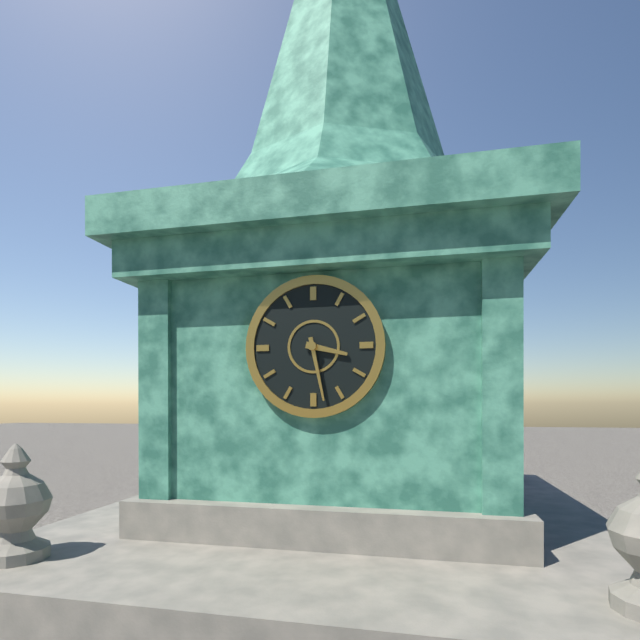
3:28
